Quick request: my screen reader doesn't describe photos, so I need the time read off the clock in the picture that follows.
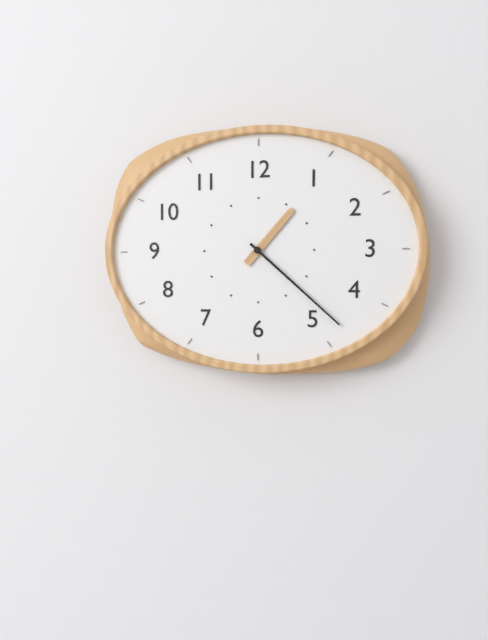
1:22
